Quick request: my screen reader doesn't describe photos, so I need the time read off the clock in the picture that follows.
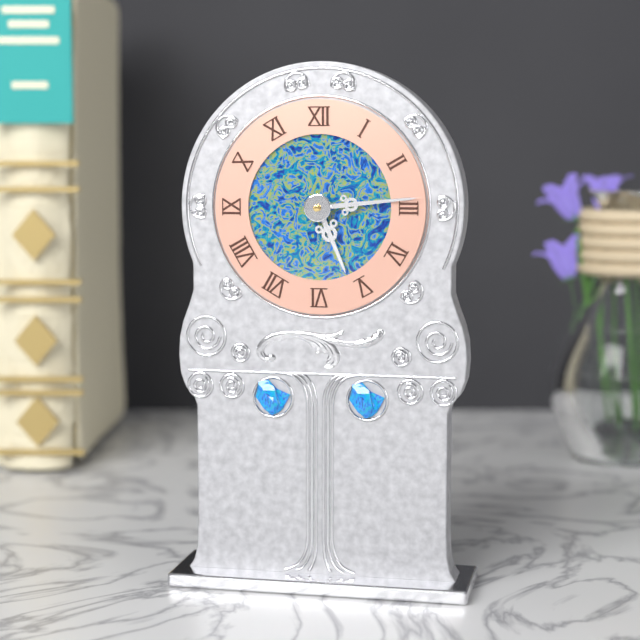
5:14
